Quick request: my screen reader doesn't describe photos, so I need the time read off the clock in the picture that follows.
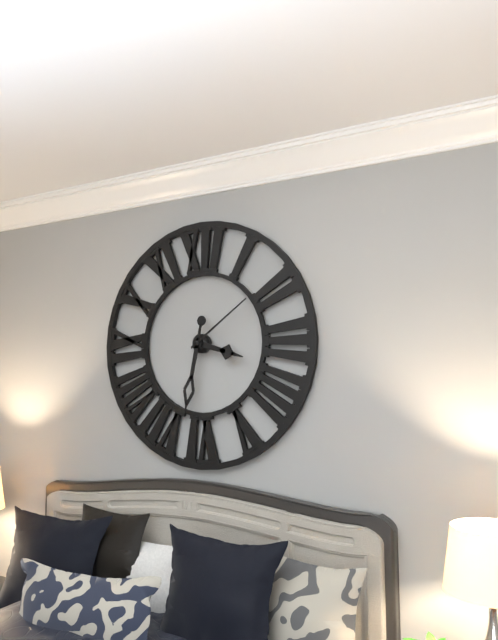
3:32:09
